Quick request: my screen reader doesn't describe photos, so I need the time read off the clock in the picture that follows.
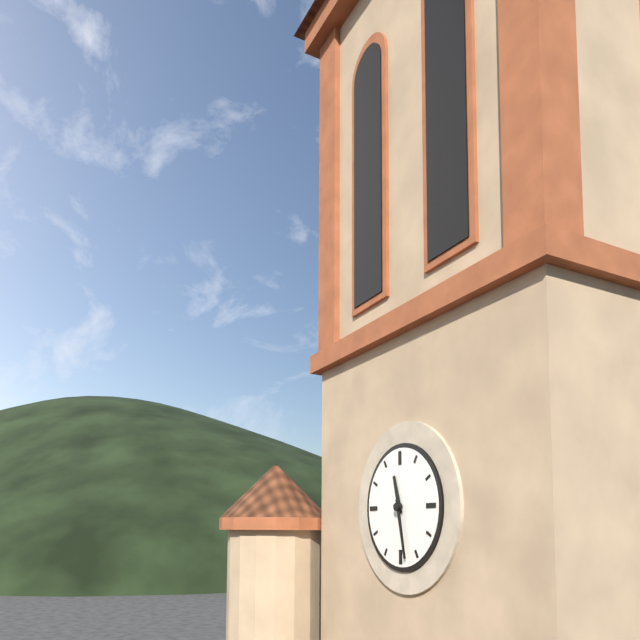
11:28
